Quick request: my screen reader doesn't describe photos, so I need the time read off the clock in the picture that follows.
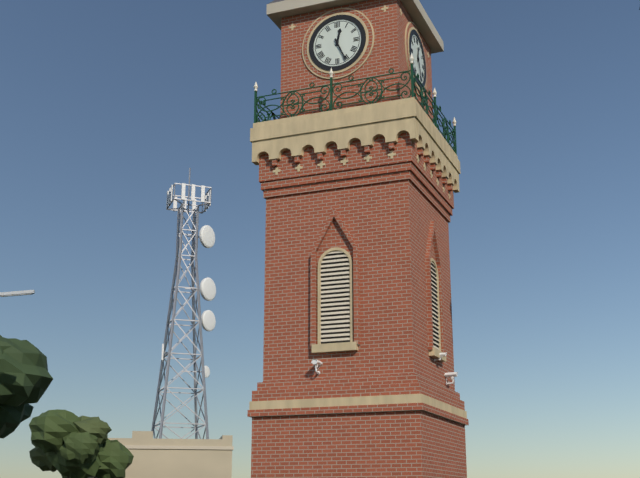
12:26
